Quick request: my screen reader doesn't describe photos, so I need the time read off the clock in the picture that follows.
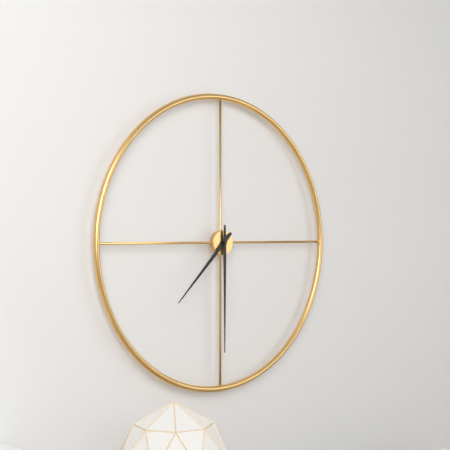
7:30
